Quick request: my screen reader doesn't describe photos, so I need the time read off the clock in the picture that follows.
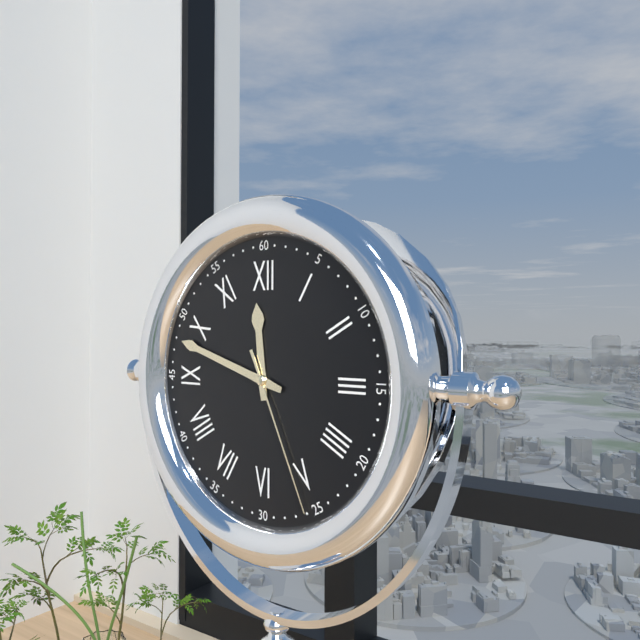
11:48:26
